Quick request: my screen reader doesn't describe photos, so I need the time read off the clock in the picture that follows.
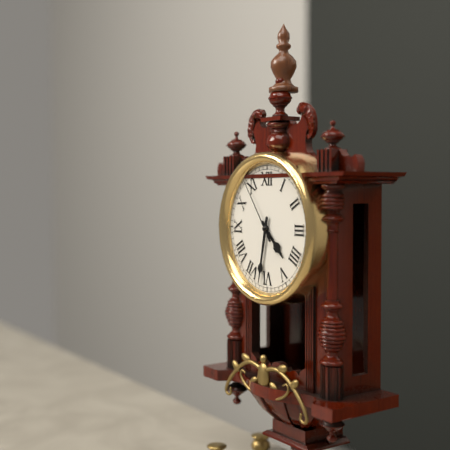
4:32:54
